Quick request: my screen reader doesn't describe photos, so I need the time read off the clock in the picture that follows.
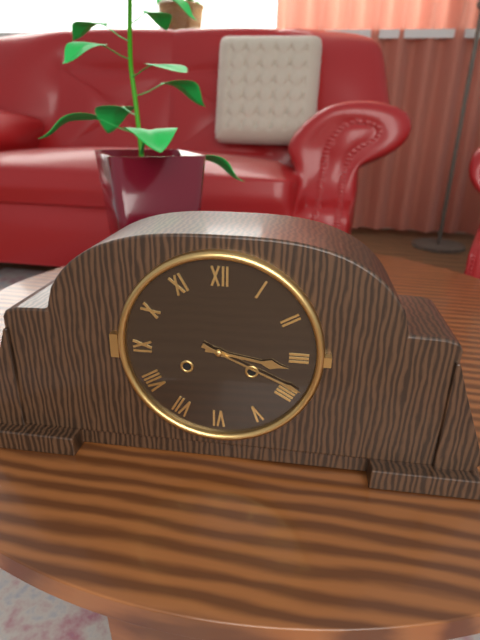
3:19
